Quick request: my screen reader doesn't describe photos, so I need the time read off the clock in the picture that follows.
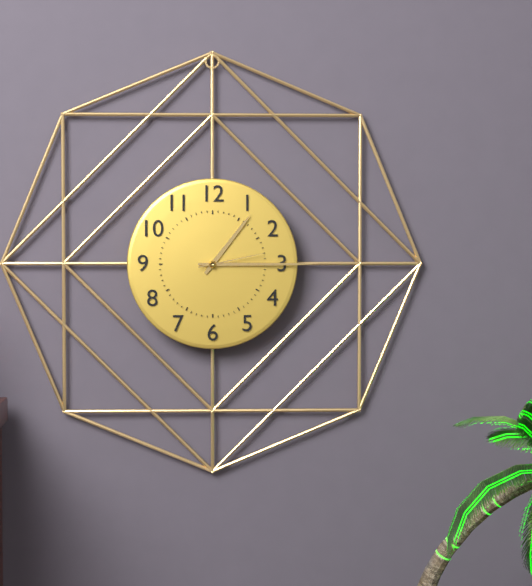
1:15:13
